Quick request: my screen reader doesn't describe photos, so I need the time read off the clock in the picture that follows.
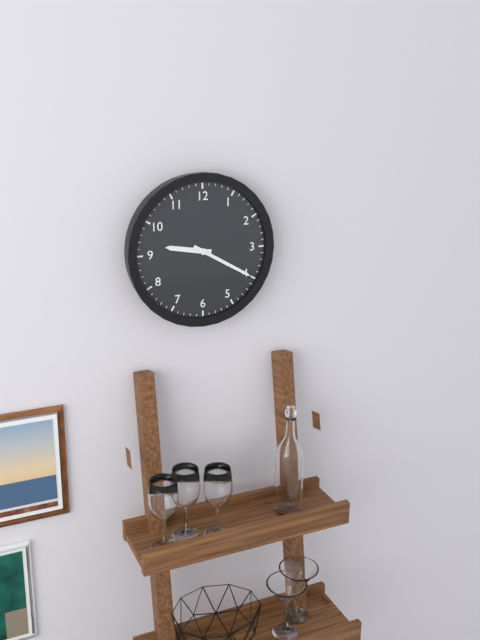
9:20
